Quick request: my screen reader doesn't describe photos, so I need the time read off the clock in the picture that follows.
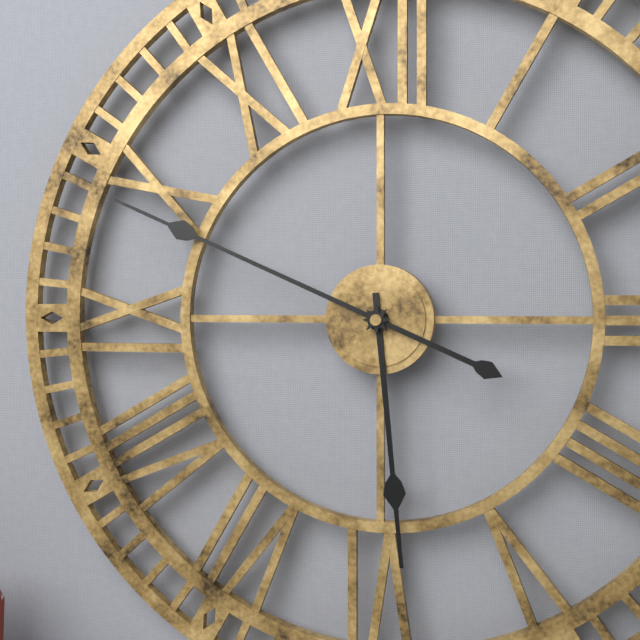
5:49
